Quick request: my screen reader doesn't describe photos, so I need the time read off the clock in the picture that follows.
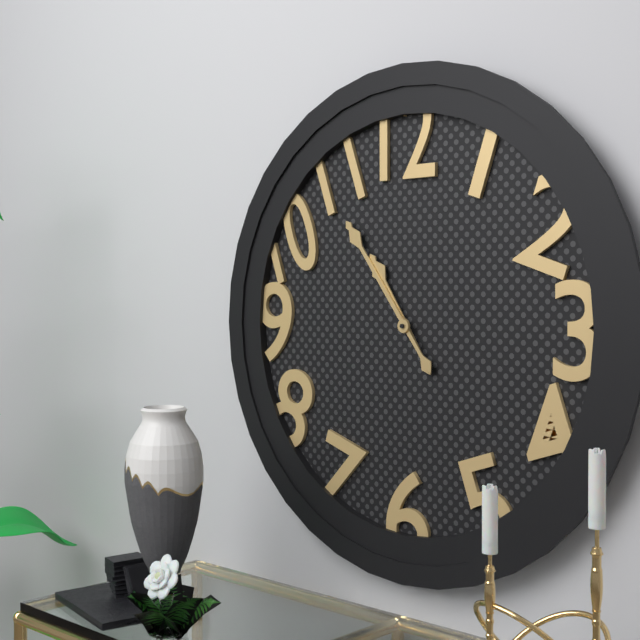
10:54
